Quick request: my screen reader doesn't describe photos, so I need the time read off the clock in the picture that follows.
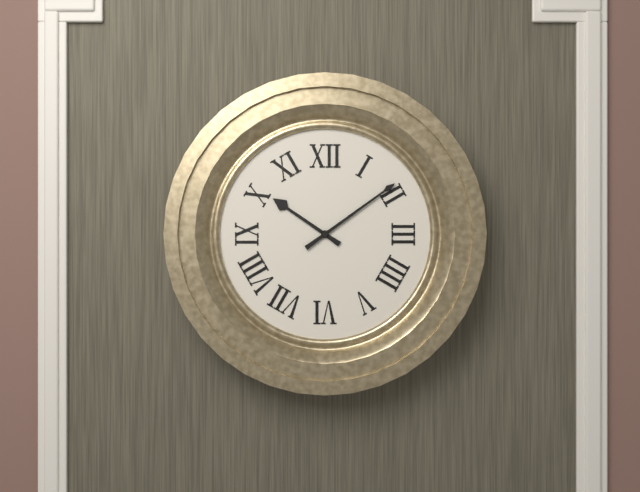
10:09
